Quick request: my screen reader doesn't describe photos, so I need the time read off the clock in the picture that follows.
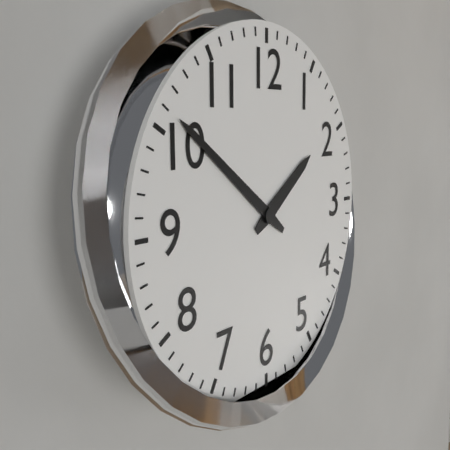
1:51
